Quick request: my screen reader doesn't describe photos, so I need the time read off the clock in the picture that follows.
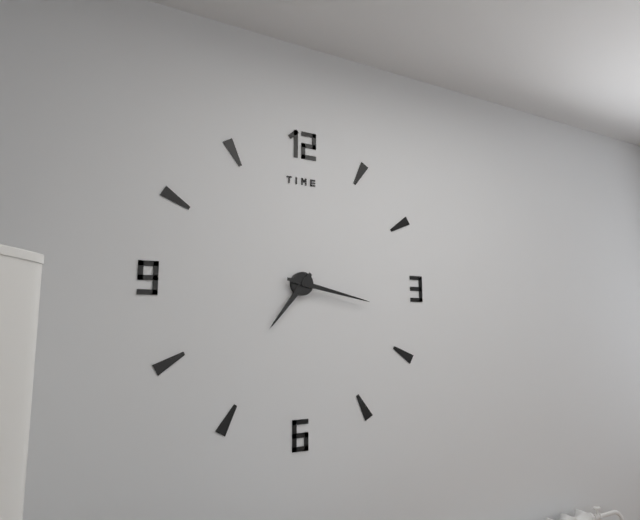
7:17
